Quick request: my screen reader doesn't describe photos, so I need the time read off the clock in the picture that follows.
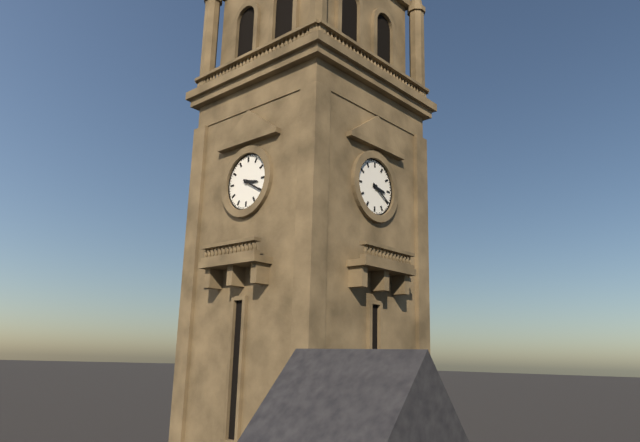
3:20
